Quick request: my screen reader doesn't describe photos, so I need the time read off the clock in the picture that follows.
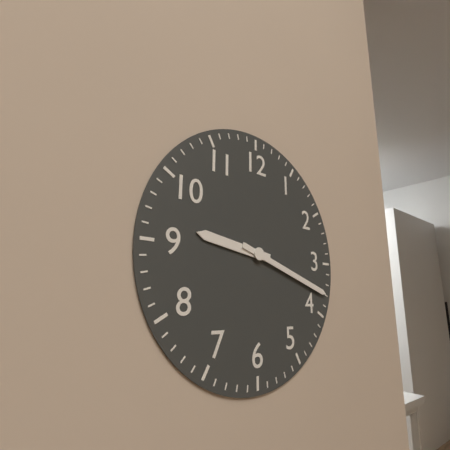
9:18
